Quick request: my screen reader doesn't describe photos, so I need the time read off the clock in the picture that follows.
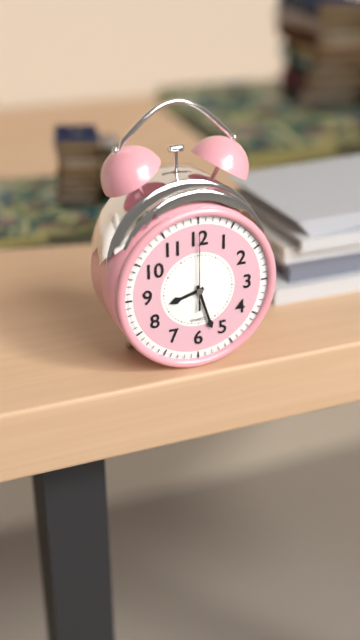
8:27:00
